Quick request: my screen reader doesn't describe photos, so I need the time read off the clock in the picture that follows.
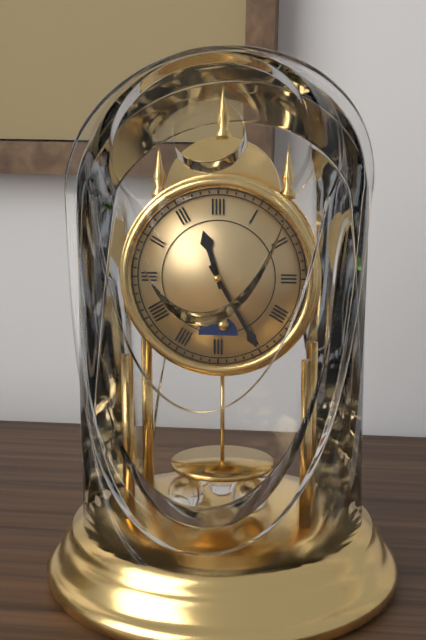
11:25
